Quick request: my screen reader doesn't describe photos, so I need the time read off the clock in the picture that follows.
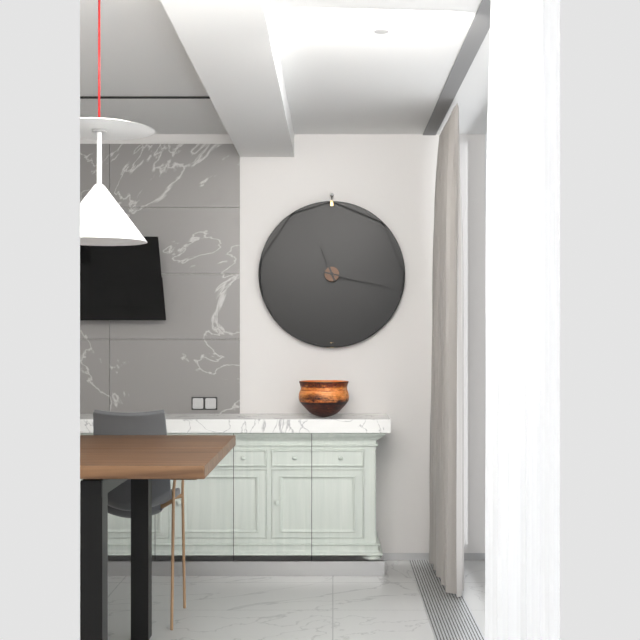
11:17
